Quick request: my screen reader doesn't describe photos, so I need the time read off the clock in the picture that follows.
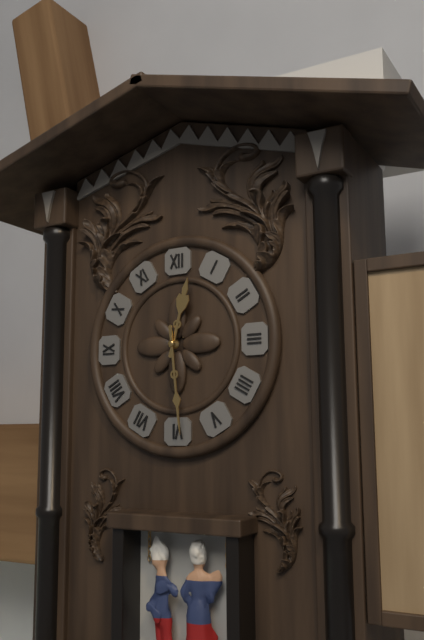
12:29
